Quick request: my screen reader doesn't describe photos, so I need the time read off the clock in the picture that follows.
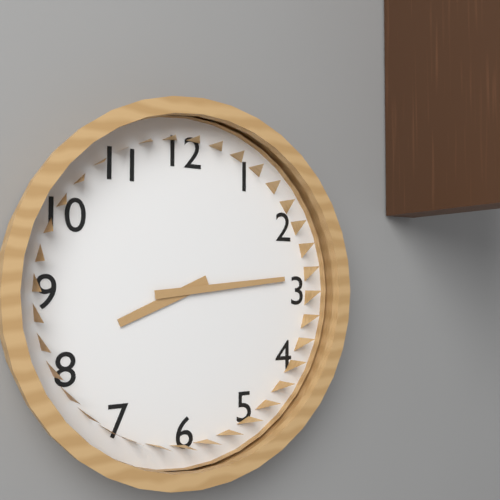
8:14
